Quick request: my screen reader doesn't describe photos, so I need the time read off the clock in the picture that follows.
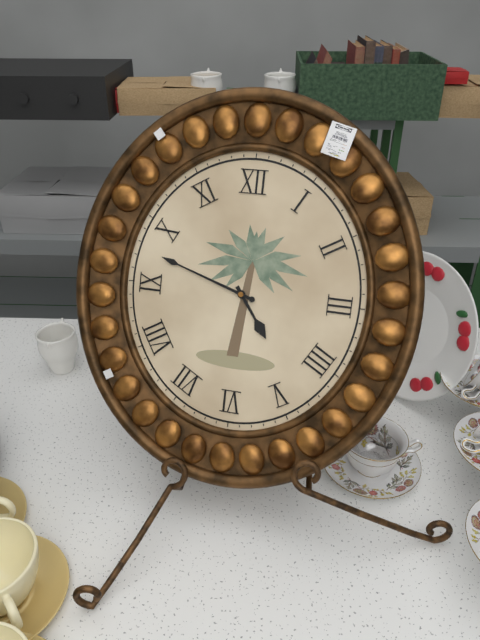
4:48
